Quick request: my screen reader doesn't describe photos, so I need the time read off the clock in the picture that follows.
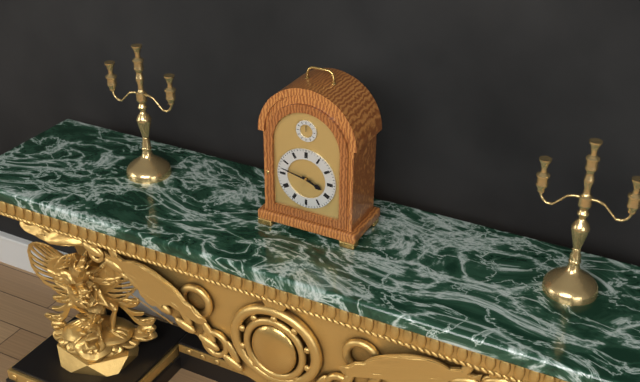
3:47
